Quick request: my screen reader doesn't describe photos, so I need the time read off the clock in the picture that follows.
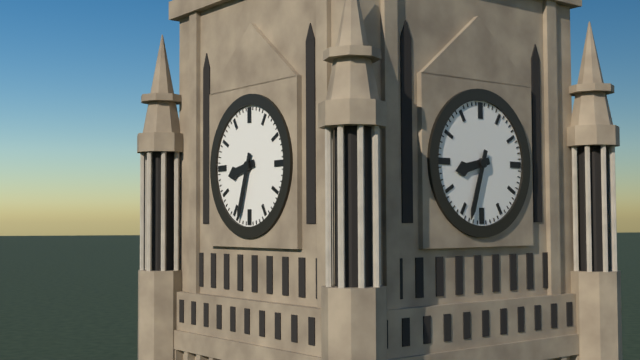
8:33
